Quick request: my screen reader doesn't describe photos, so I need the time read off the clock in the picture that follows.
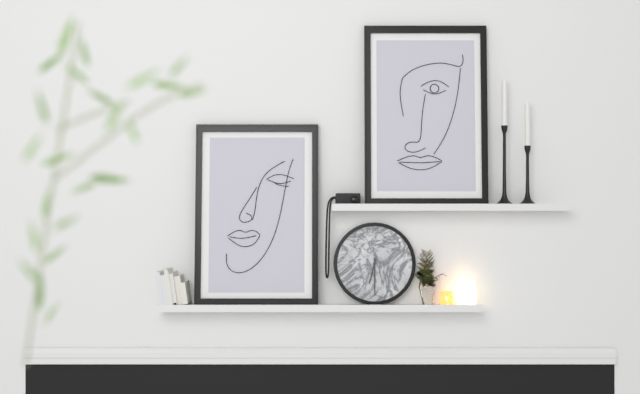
6:30
